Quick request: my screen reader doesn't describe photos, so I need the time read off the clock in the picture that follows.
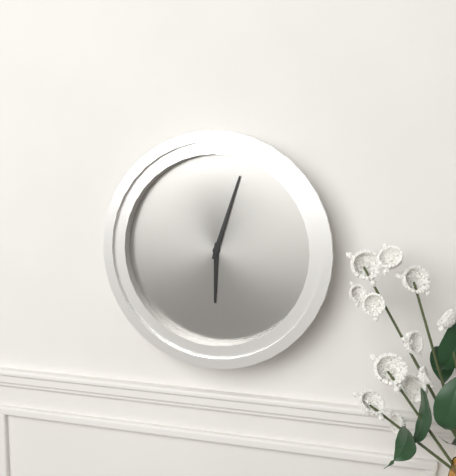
6:03
